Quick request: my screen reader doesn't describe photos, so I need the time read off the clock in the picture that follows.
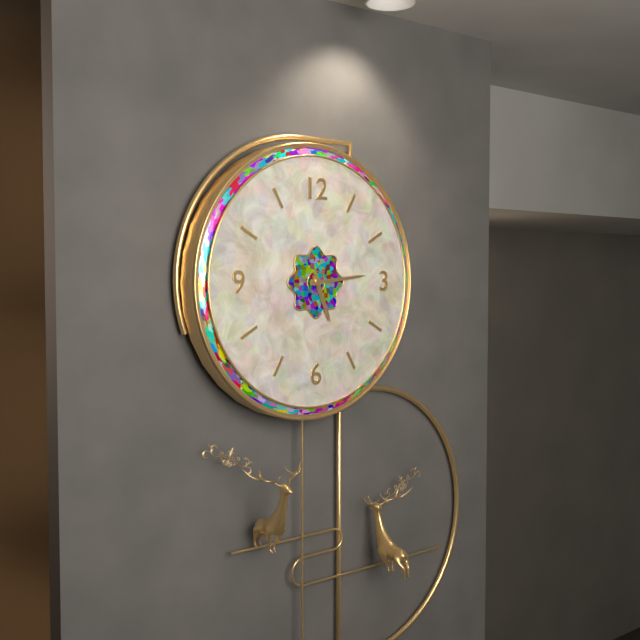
5:14
